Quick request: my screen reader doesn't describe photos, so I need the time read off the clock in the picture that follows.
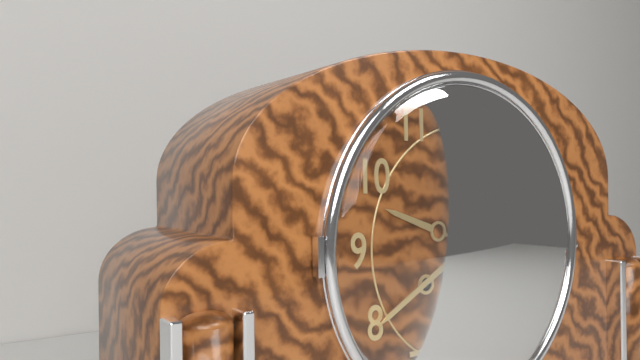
9:40
